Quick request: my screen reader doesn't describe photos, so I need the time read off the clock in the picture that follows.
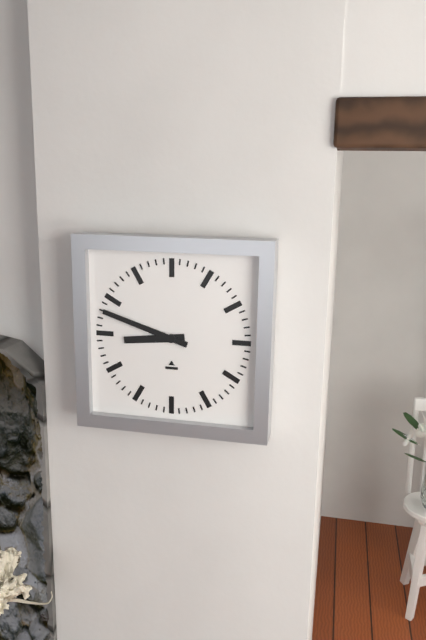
8:48
